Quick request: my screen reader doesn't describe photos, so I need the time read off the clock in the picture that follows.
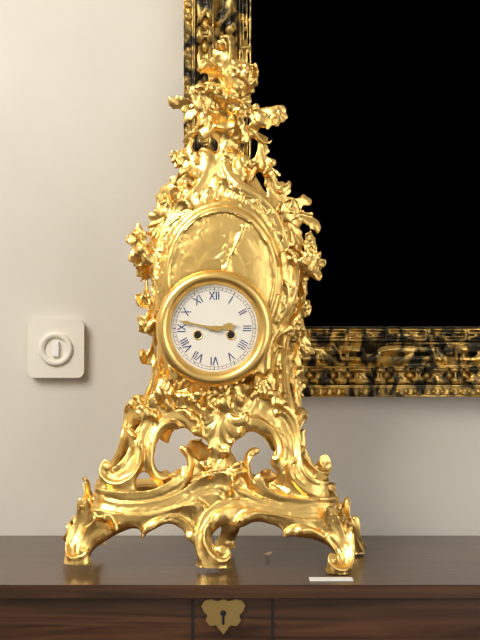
2:47
